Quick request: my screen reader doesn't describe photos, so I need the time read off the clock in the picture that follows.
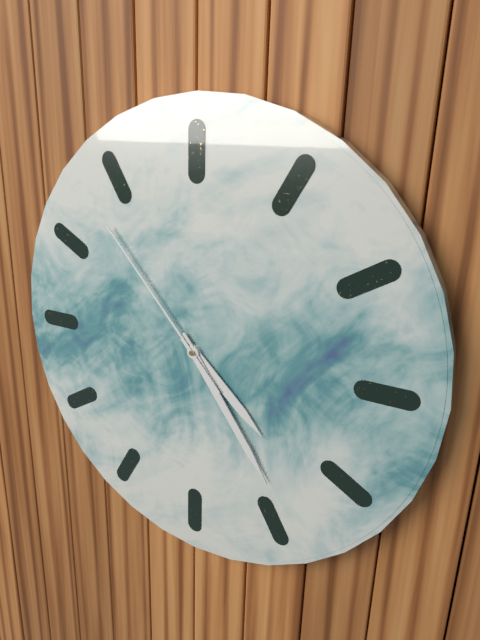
4:24:53
